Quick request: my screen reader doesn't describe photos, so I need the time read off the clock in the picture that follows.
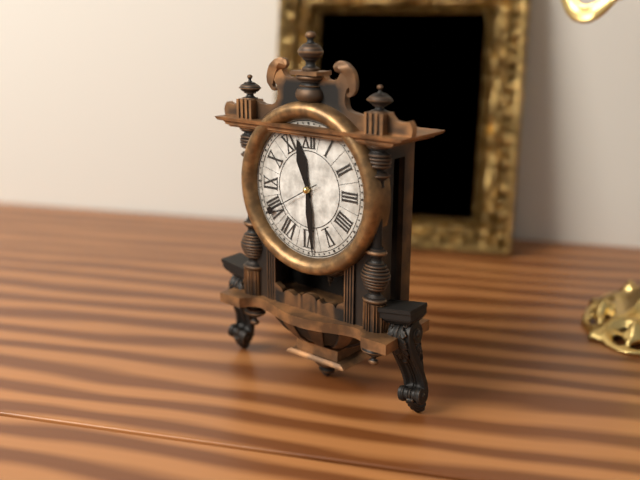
11:29:40
